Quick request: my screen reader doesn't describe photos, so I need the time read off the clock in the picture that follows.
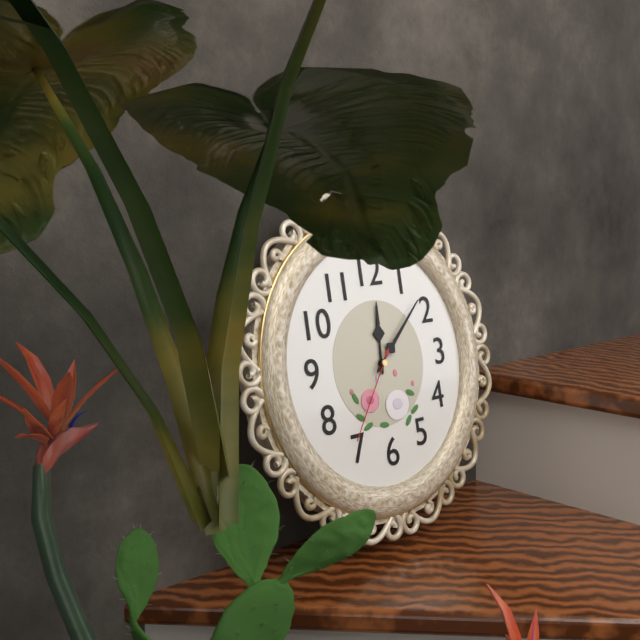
12:08:36
